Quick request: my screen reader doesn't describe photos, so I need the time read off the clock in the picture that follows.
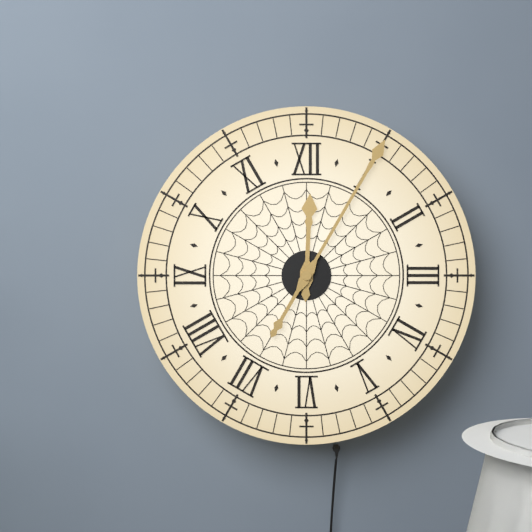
12:05
